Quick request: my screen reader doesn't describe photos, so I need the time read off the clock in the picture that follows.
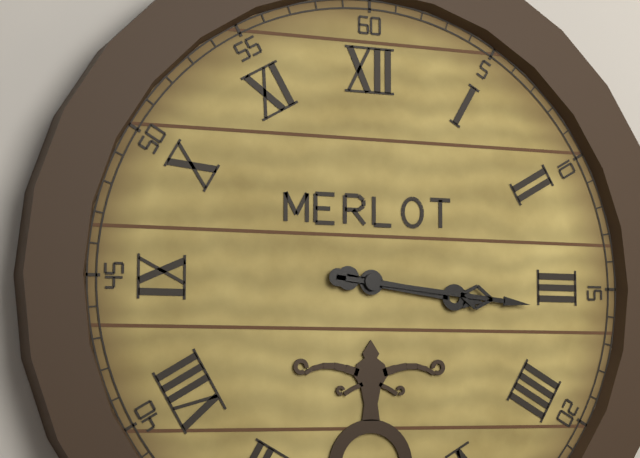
3:16
